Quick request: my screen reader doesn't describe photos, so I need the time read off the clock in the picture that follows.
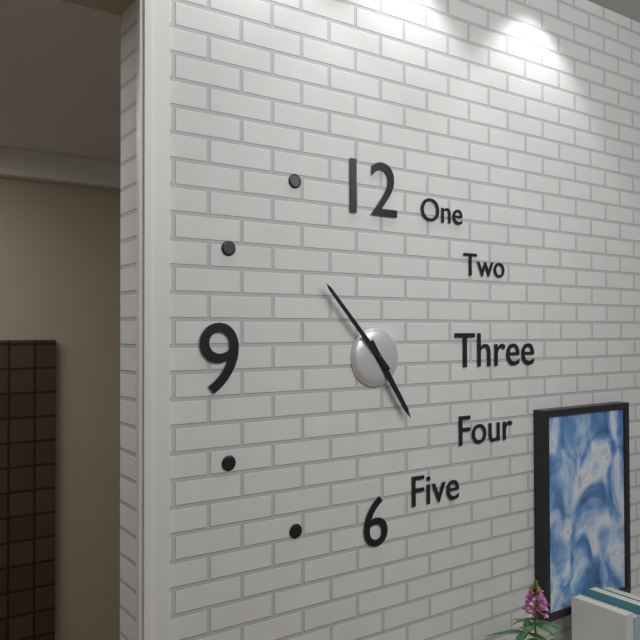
4:53
